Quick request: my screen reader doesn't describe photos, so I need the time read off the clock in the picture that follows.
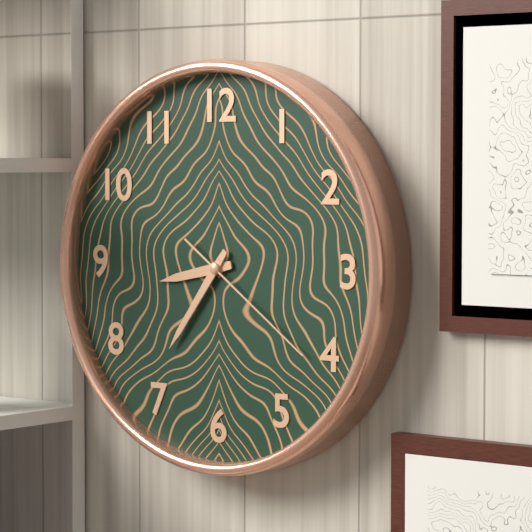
8:36:21
